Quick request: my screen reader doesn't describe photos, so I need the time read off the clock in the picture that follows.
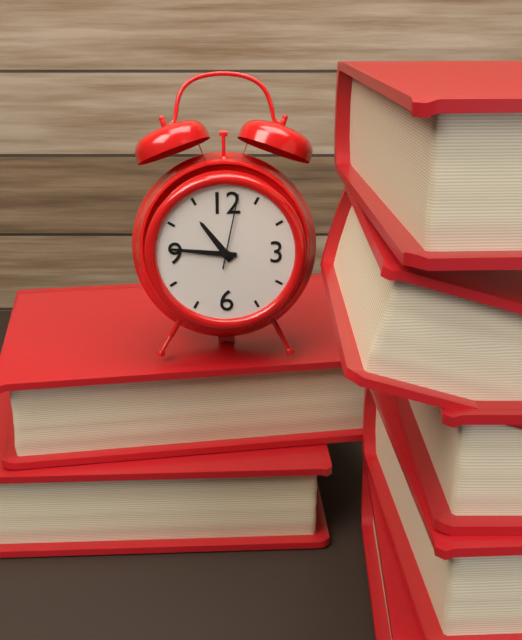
10:46:02
